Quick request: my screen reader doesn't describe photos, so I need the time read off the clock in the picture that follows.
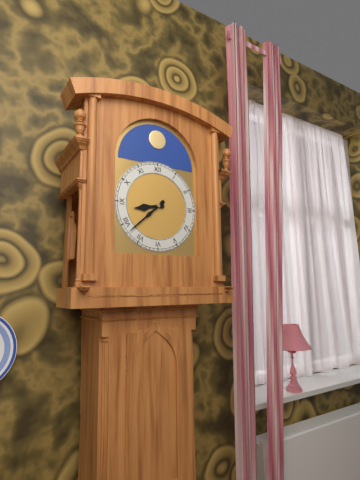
8:38
